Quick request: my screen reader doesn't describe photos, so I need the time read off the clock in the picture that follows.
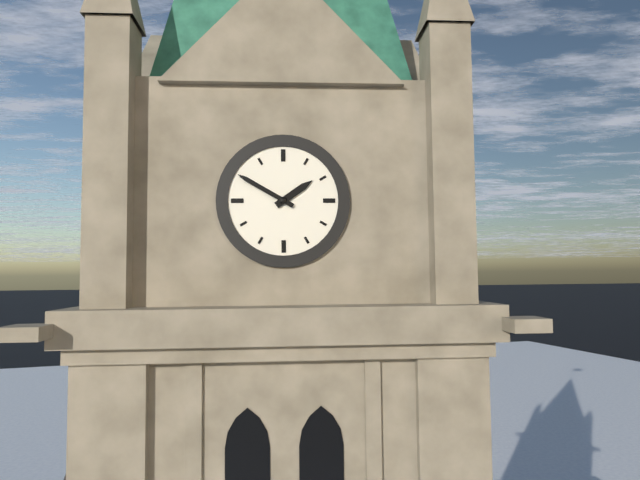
1:50
